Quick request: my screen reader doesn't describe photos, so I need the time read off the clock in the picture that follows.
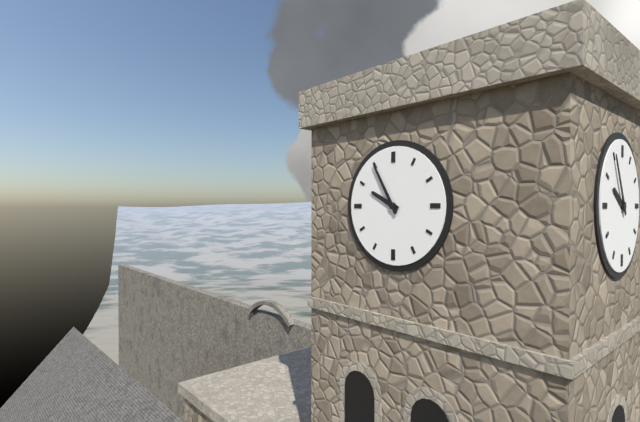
9:55
